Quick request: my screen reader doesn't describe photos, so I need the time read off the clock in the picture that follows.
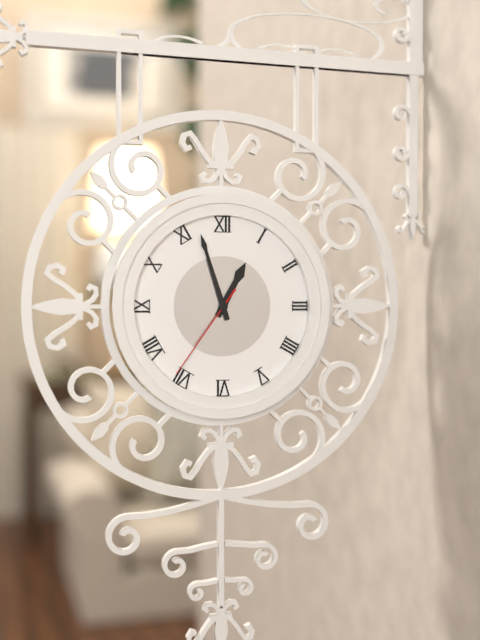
12:57:36
